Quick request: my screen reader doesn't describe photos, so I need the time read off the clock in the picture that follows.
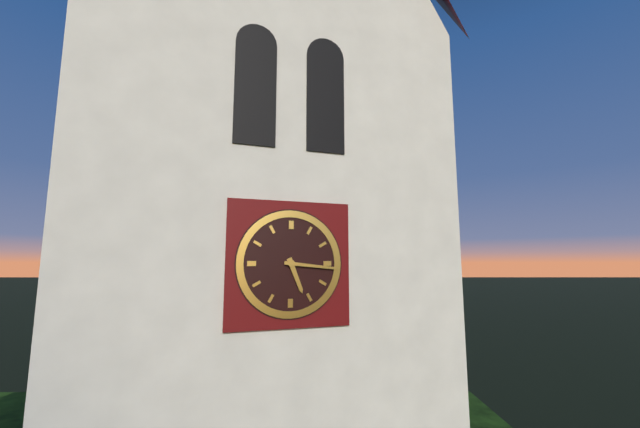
5:16
